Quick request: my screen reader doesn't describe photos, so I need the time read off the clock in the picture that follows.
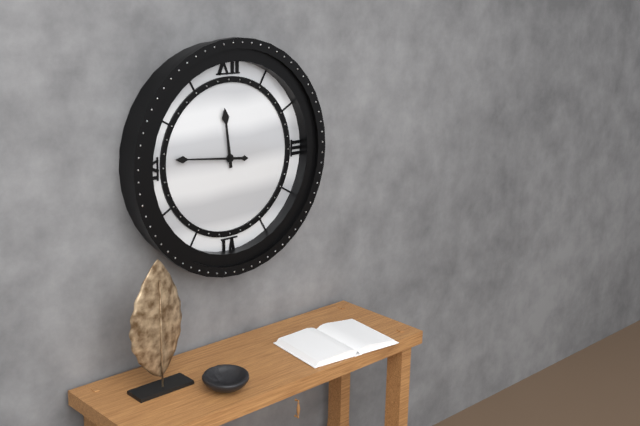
11:46
